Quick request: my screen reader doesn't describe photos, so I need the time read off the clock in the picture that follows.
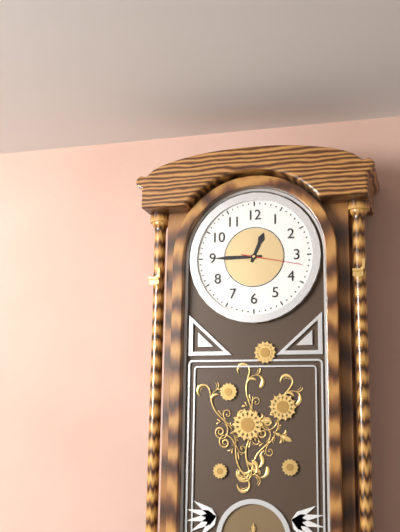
12:45
